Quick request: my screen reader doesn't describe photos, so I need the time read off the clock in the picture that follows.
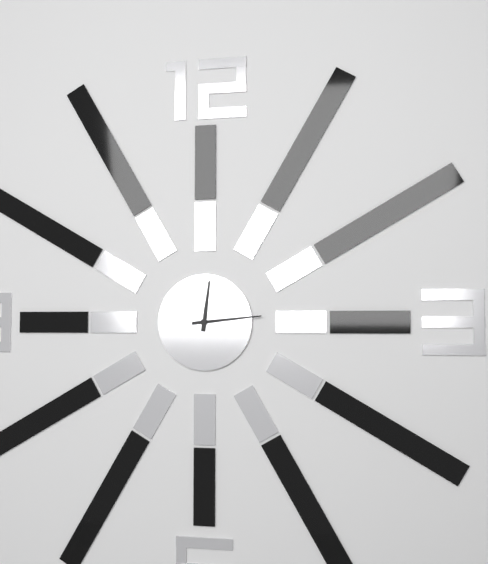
12:14
